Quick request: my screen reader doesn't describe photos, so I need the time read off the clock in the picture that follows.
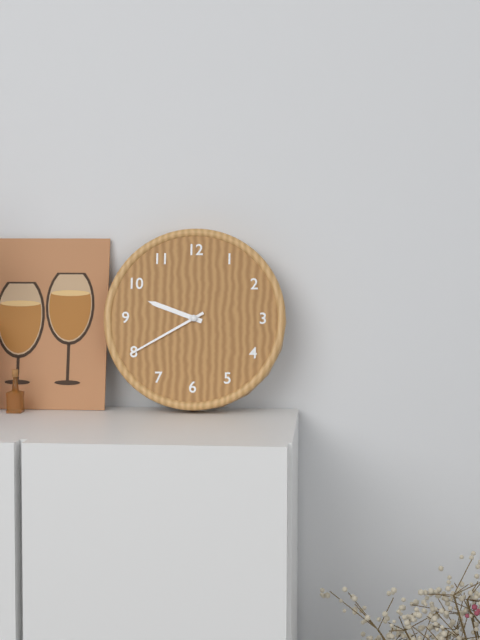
9:40
